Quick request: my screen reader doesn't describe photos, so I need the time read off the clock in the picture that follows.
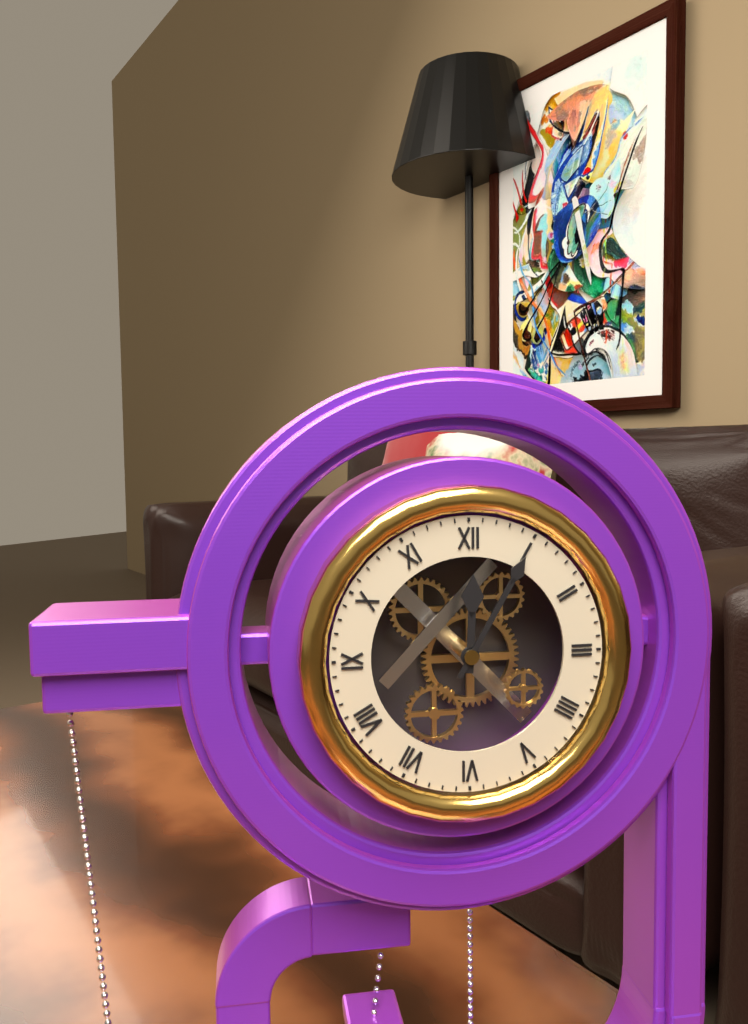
12:05
